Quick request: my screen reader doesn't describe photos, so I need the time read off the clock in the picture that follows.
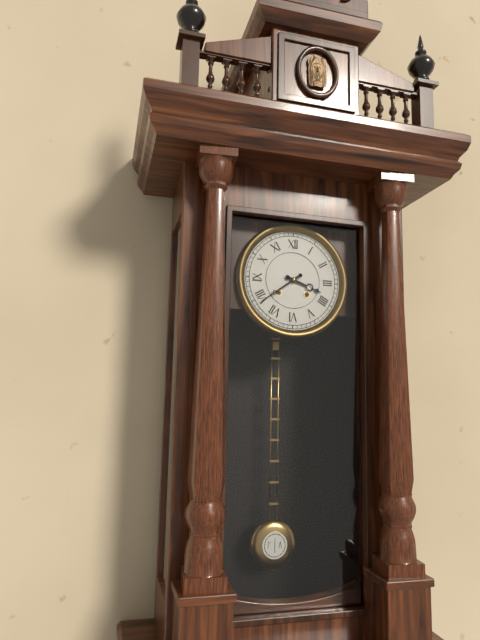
3:39
